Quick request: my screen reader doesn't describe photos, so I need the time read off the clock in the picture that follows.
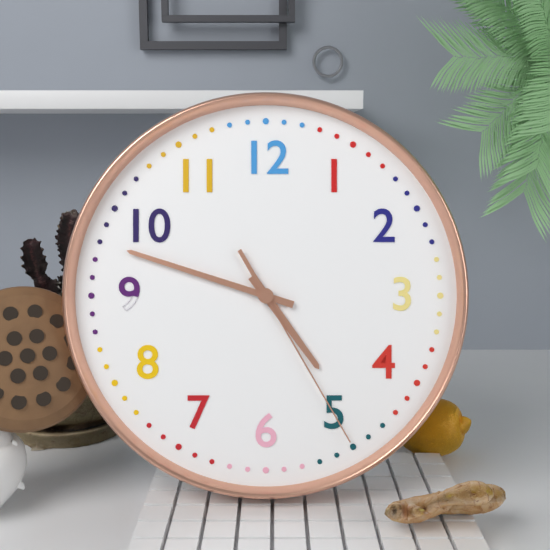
4:48:25
